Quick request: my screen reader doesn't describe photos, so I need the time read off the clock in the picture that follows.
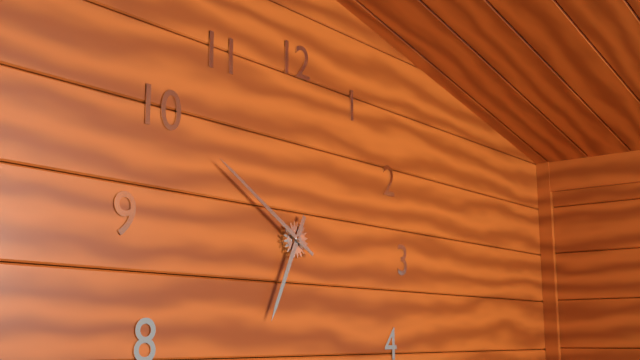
6:50
